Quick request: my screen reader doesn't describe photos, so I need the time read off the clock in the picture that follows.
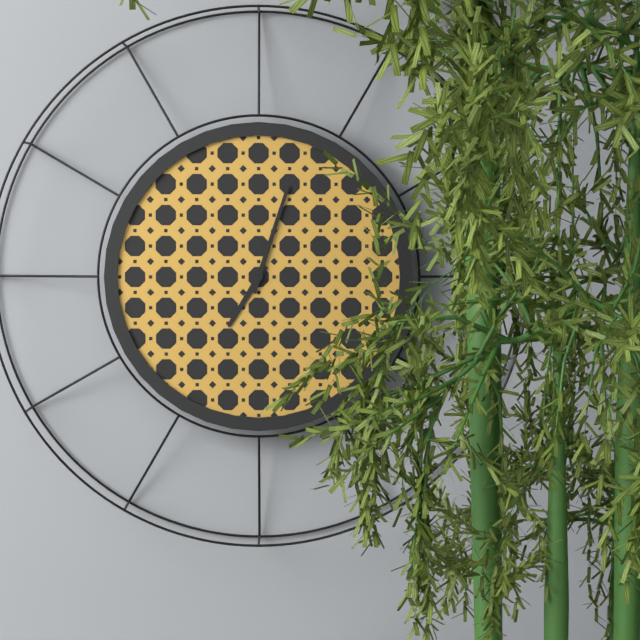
7:03
